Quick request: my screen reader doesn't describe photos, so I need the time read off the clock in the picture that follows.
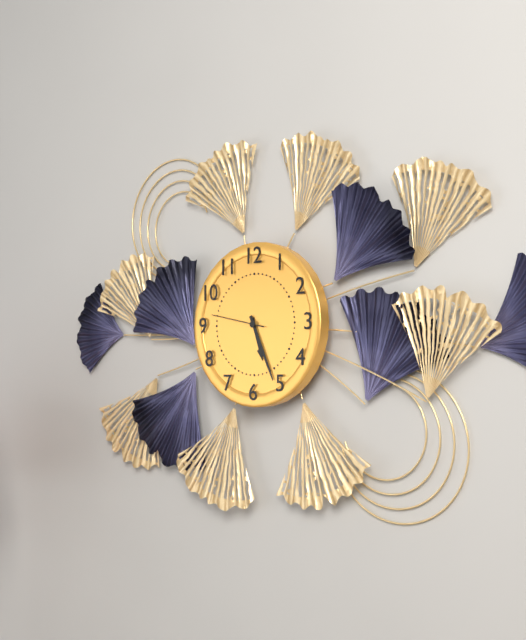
5:26:47
